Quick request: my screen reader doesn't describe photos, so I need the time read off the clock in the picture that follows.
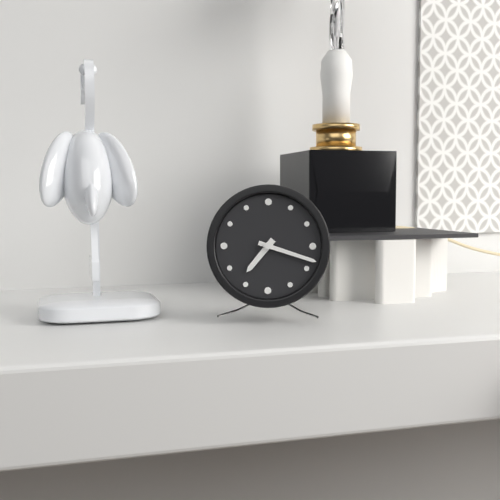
7:18
